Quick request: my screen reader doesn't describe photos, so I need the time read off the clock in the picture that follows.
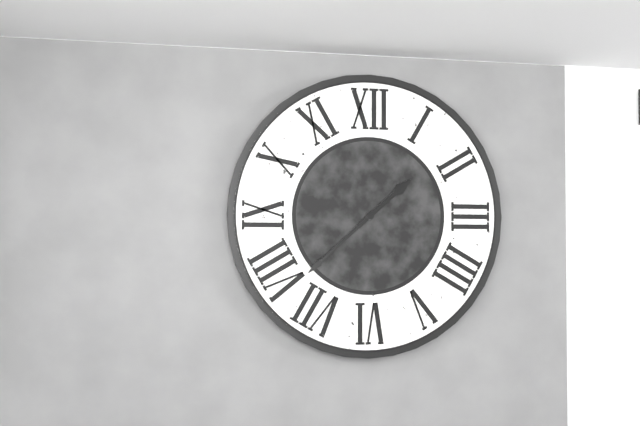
1:38
